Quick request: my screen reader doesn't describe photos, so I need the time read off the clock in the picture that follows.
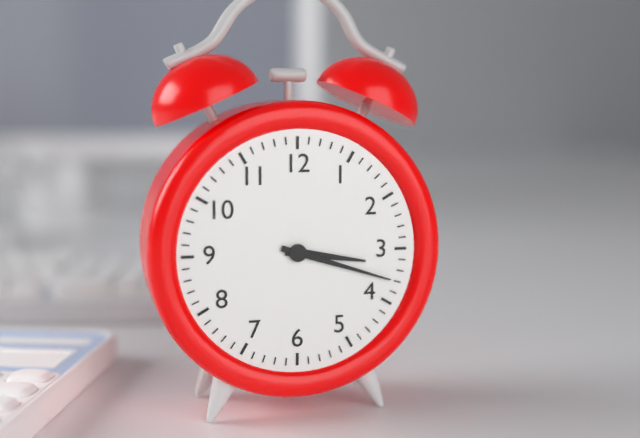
3:18
